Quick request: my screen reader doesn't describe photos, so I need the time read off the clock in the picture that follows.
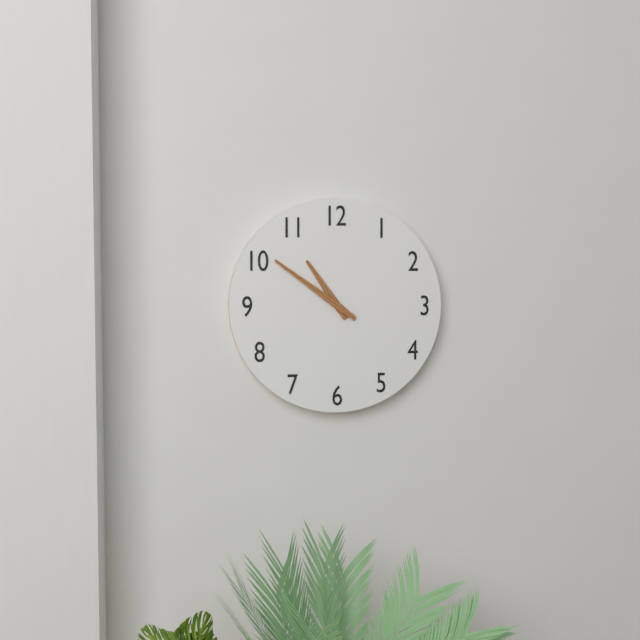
10:51
